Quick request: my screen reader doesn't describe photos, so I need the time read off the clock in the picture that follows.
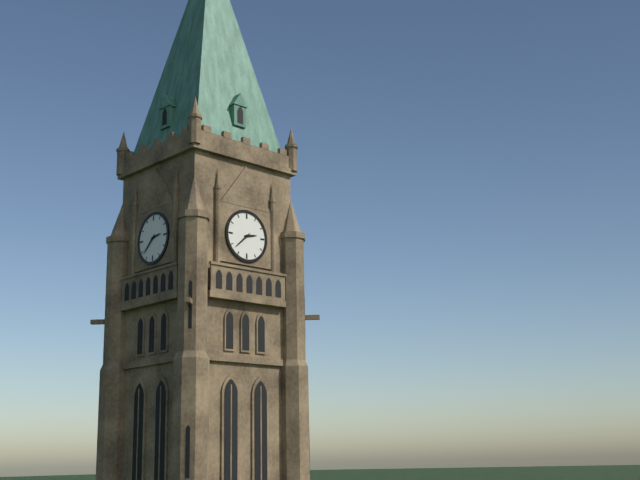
2:38
